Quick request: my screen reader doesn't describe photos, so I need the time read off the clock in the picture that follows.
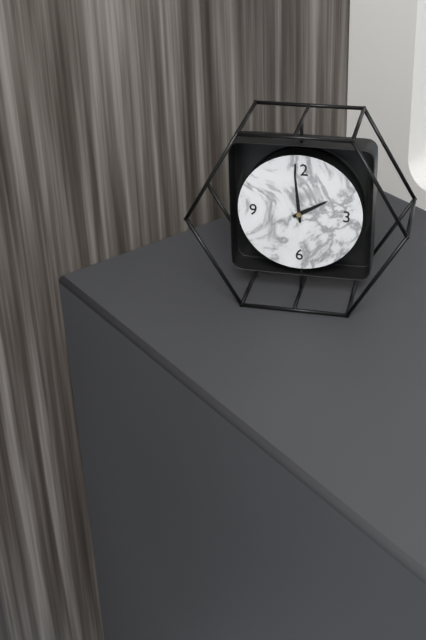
1:59
